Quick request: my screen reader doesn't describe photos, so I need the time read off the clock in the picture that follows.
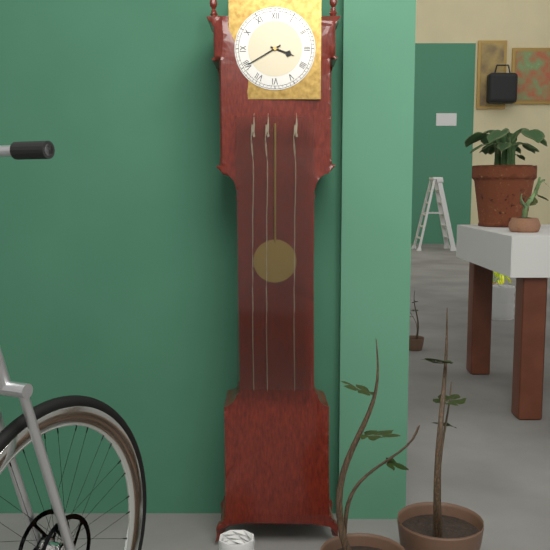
3:40
